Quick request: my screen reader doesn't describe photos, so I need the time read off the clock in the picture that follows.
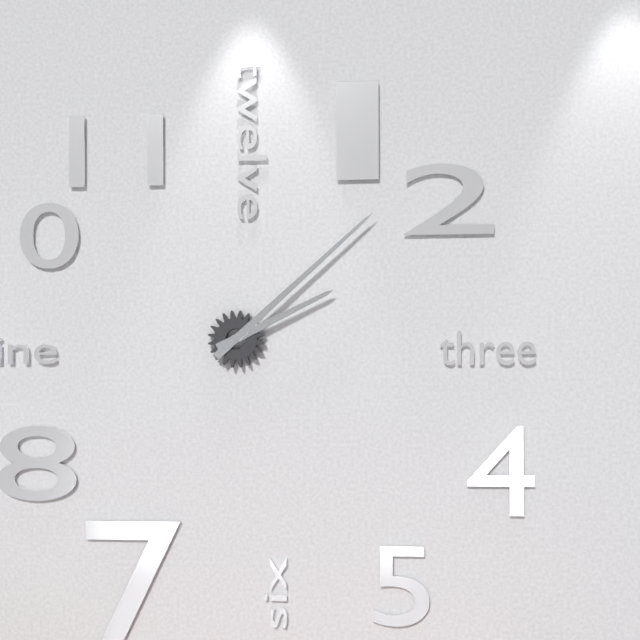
2:08
